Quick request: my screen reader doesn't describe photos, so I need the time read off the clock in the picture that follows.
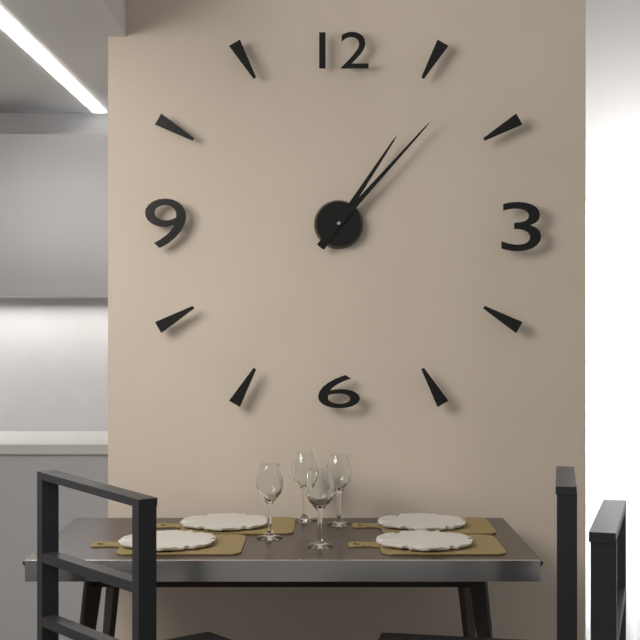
1:07
